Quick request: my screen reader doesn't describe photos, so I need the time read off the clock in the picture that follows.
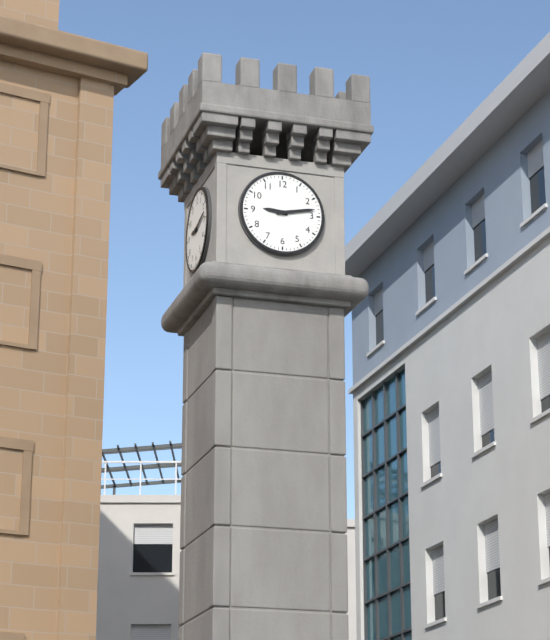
9:13
